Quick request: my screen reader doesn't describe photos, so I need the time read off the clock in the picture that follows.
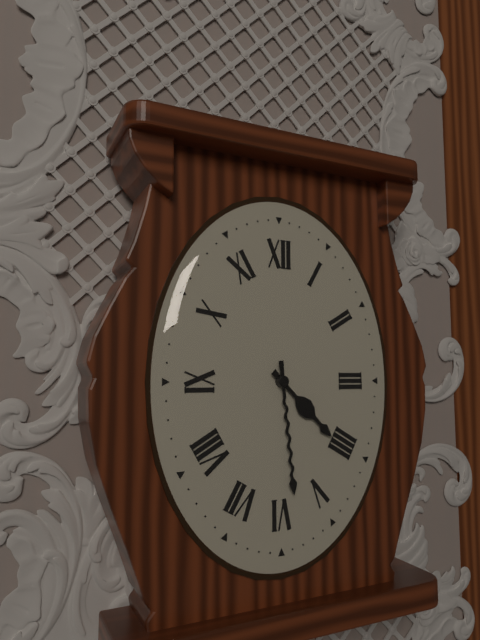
4:29
